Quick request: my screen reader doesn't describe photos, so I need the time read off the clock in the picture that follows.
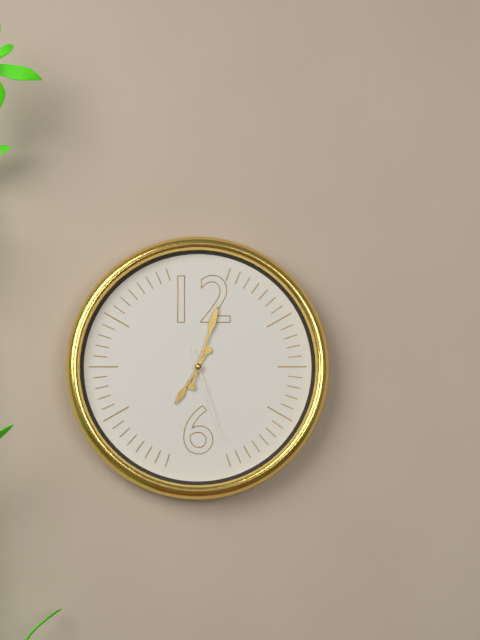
7:03:27
